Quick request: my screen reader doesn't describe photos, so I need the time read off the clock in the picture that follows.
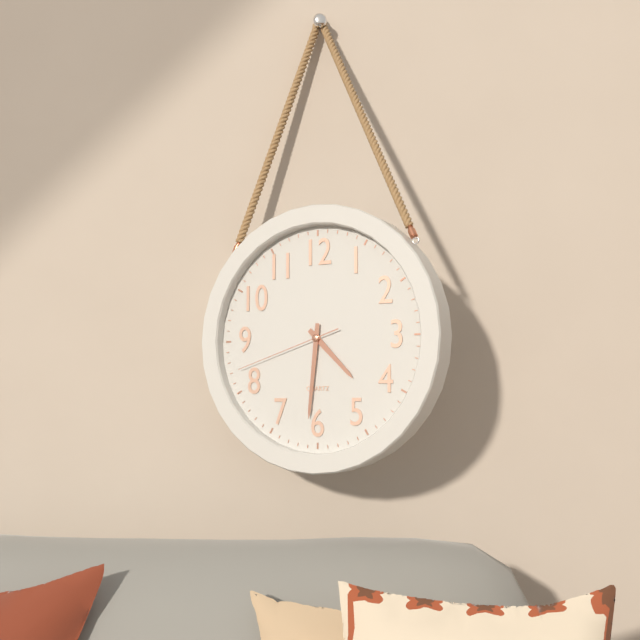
4:31:42
